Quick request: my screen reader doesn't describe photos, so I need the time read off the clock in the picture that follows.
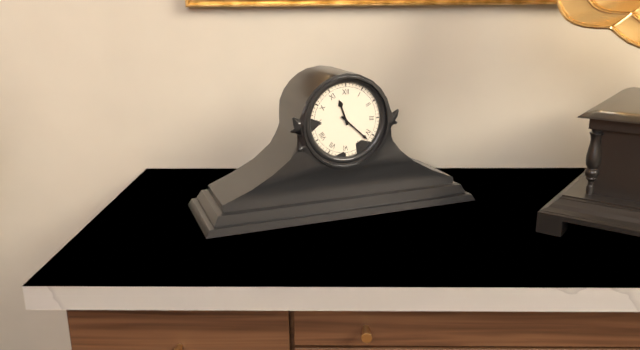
11:22
